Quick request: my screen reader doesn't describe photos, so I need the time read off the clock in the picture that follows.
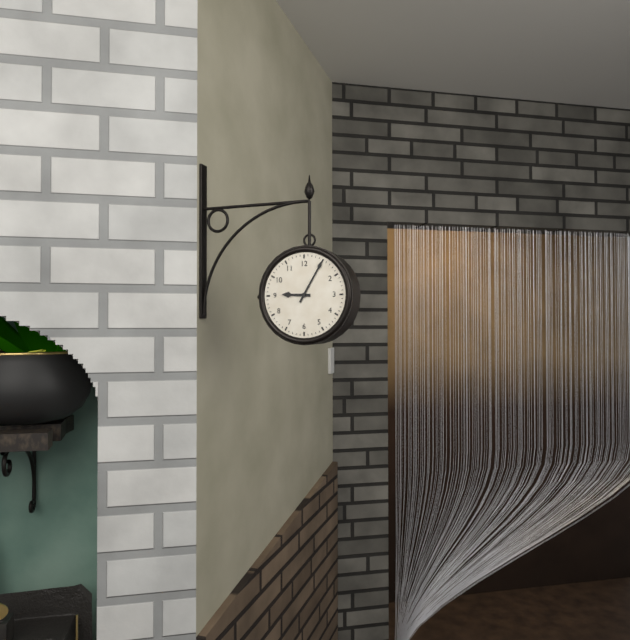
9:05
